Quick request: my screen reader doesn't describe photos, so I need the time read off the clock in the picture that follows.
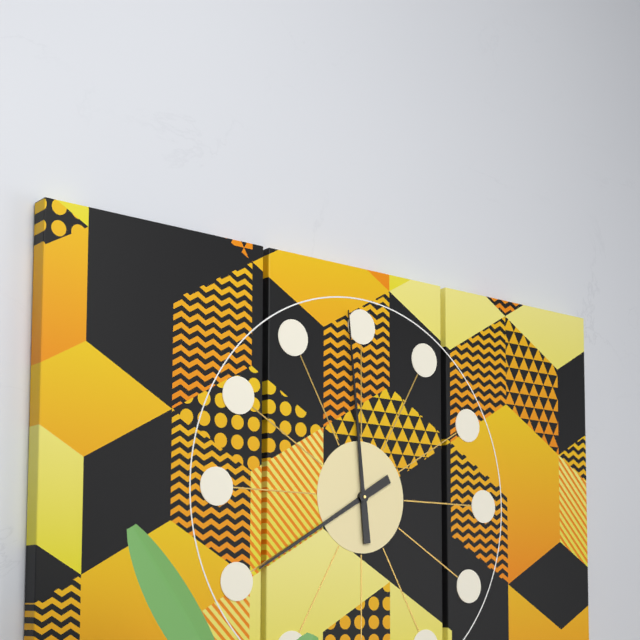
7:59
